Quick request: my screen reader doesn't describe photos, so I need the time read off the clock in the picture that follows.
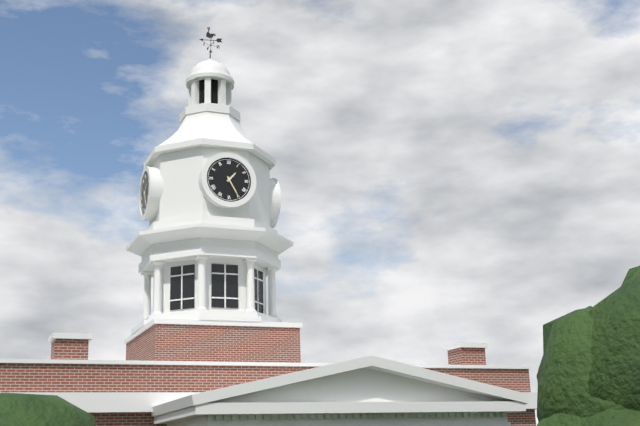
1:25
